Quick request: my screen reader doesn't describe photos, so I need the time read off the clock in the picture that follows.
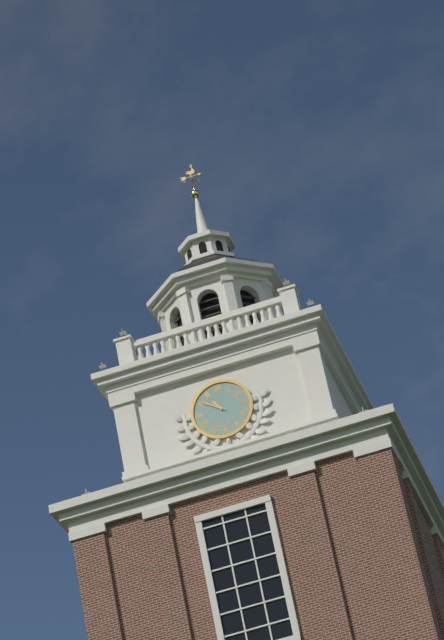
10:51
